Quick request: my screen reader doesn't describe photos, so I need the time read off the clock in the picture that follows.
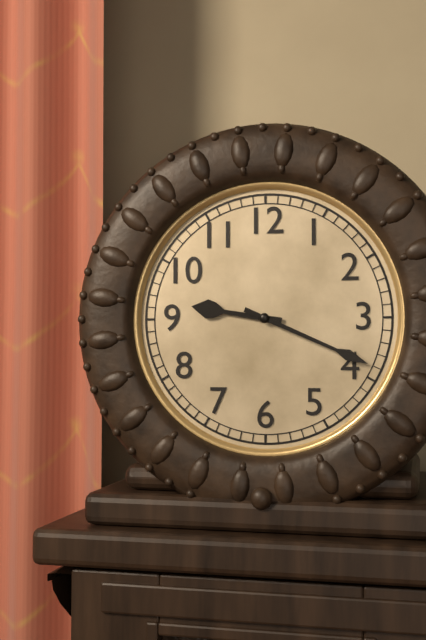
9:19
